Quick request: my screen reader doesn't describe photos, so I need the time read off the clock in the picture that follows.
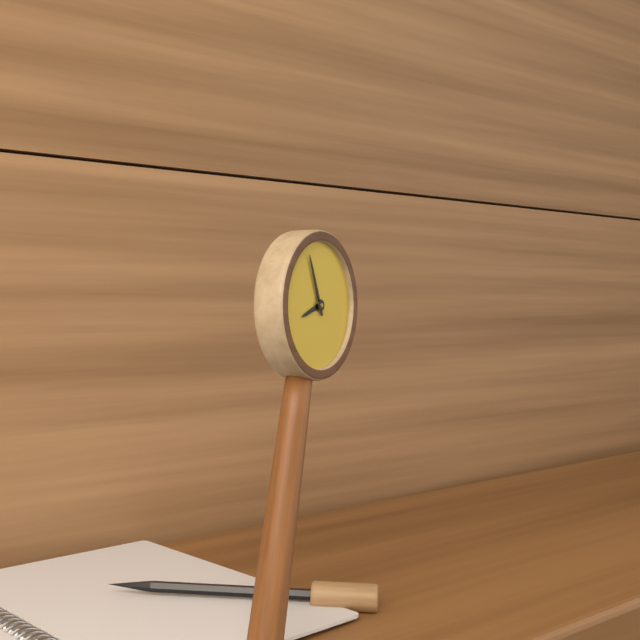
7:54
